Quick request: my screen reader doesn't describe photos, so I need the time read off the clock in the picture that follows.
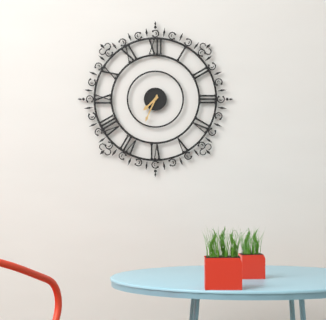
7:34
